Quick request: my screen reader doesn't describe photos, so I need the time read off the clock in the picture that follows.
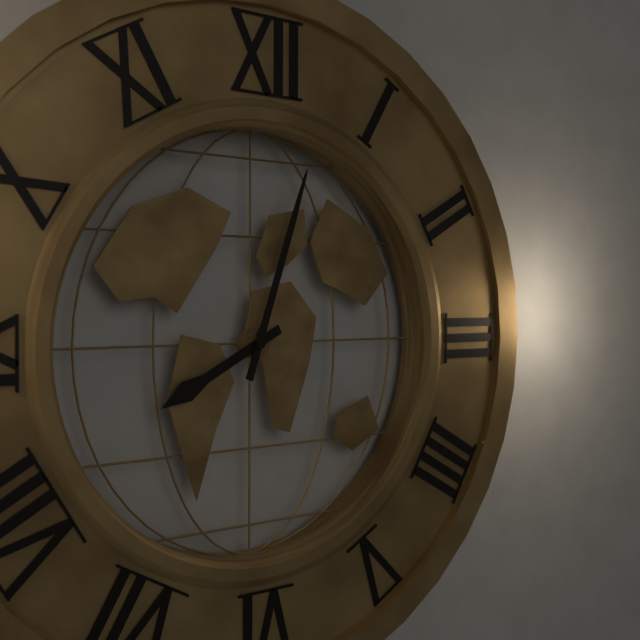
8:03
